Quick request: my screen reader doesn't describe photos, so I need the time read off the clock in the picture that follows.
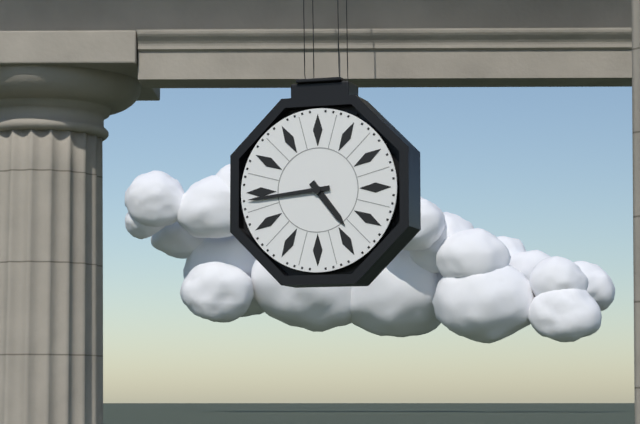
4:44
